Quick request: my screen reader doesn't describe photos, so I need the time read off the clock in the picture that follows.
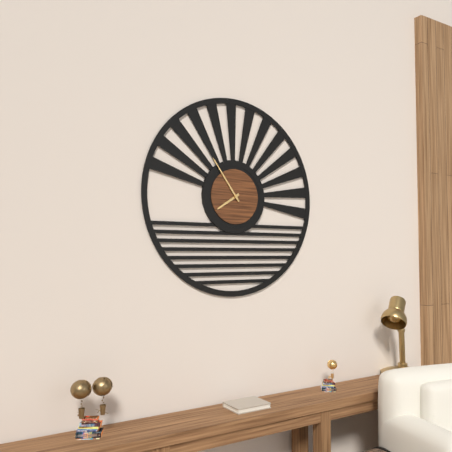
7:54
